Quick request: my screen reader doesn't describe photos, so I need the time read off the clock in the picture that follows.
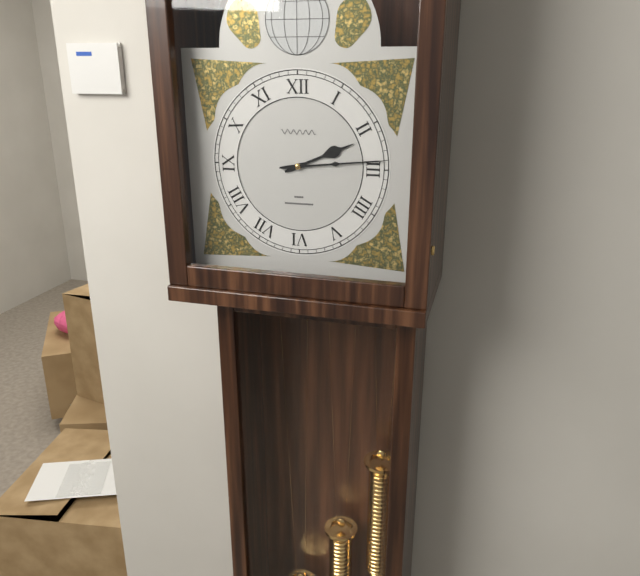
2:14
